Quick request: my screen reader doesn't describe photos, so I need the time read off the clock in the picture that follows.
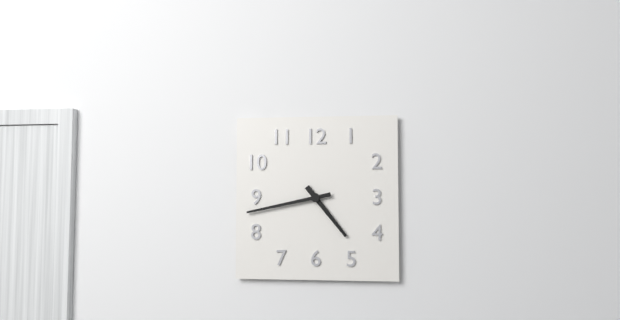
4:43
